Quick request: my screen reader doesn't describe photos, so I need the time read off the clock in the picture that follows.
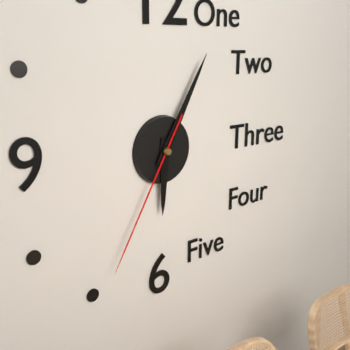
6:05:35
